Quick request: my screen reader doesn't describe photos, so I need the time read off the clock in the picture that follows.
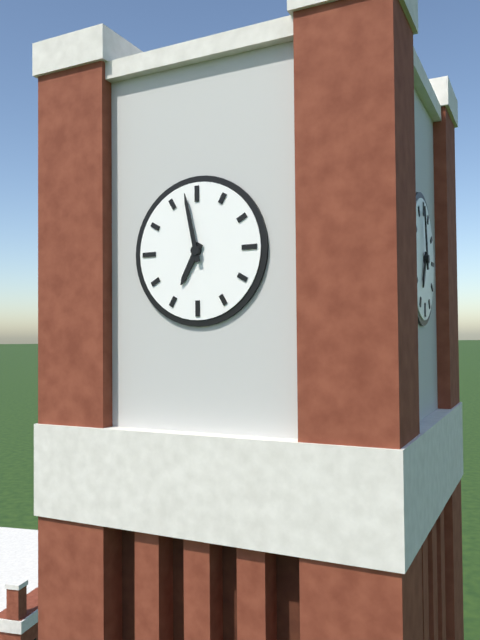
6:58
